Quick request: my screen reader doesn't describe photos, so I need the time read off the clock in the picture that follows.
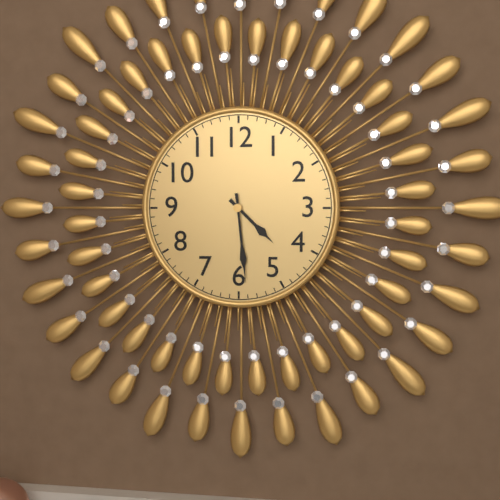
4:29
